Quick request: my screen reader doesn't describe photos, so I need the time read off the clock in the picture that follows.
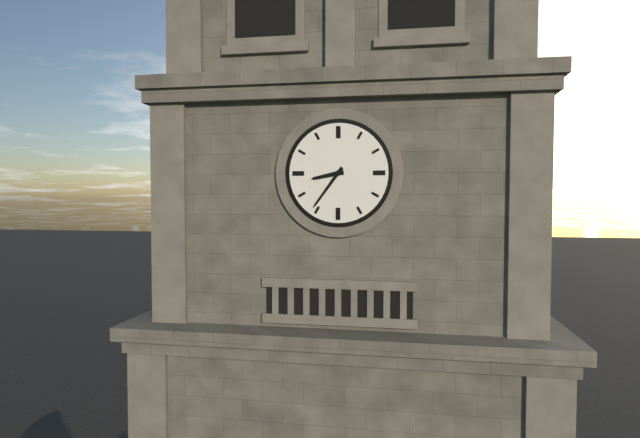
8:36
